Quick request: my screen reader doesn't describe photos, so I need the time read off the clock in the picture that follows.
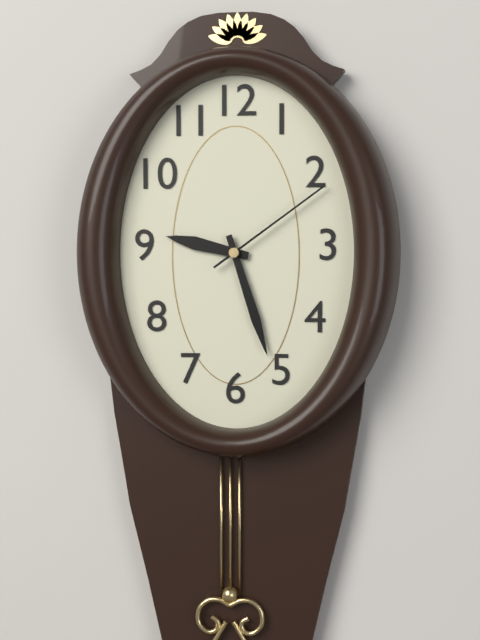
9:27:09
